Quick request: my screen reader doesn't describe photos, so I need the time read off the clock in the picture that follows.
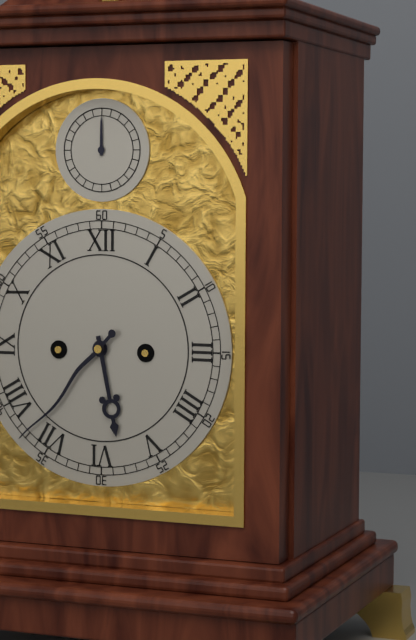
5:37
